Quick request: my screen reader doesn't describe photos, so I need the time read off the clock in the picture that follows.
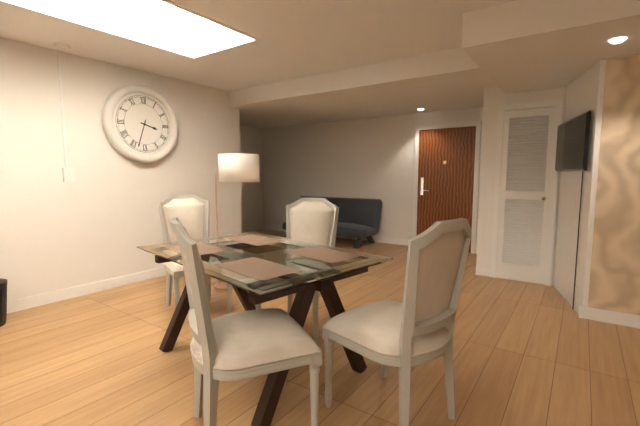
3:33
